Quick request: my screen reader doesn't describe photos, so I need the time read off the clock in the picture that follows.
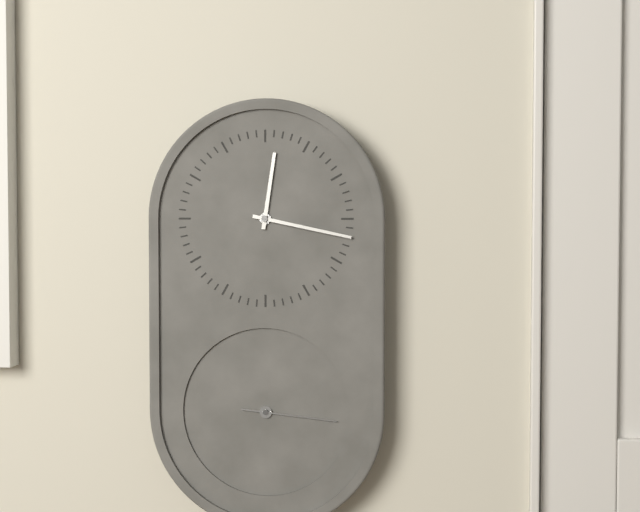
12:17:16
